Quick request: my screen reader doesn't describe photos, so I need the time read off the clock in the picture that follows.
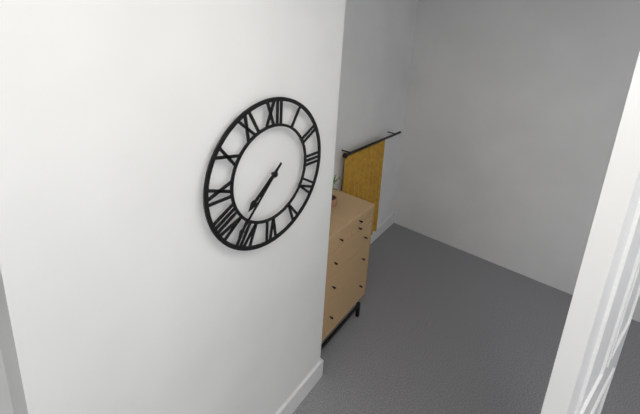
7:37
